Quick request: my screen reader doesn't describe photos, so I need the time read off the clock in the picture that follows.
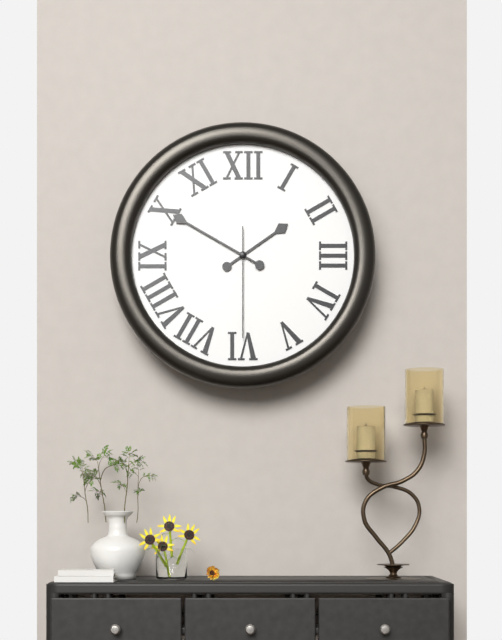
1:50:30
